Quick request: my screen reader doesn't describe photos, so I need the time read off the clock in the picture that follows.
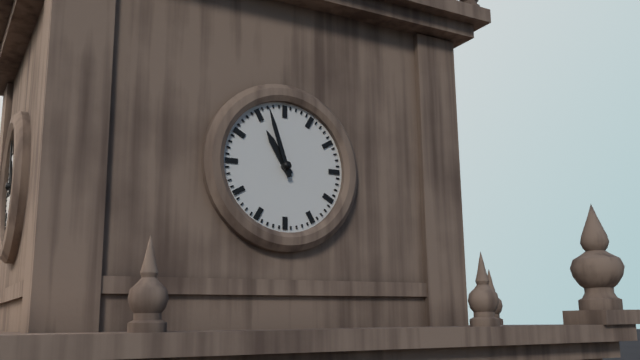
10:57
